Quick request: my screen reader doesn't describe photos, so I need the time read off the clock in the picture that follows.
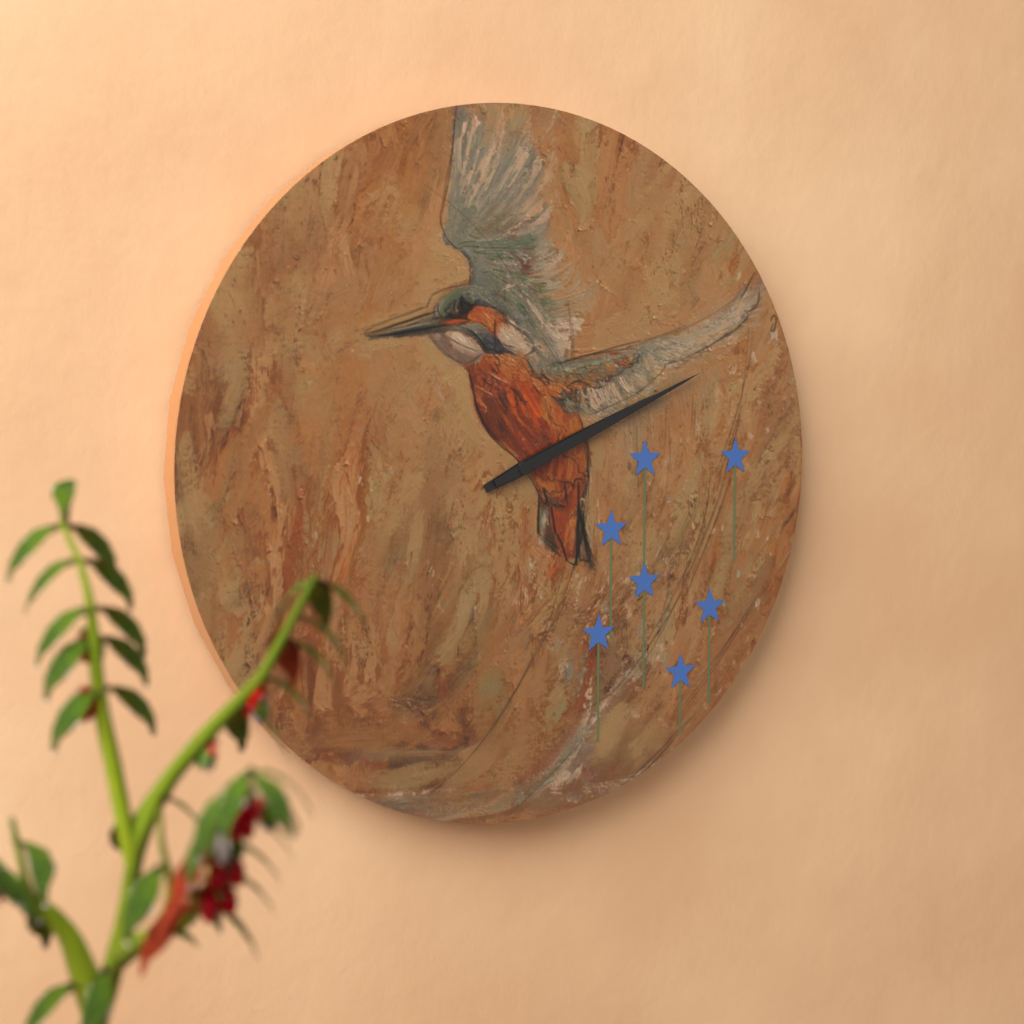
2:11
